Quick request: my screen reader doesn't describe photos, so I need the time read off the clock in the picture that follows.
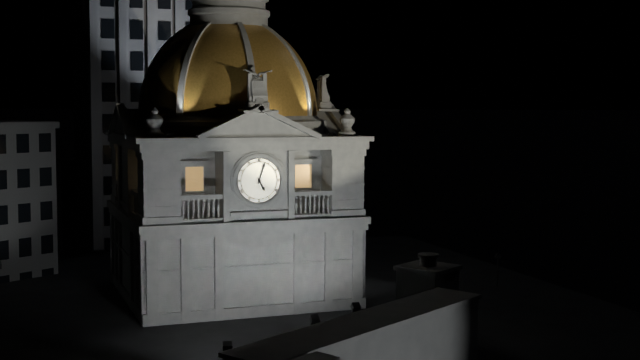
5:03
